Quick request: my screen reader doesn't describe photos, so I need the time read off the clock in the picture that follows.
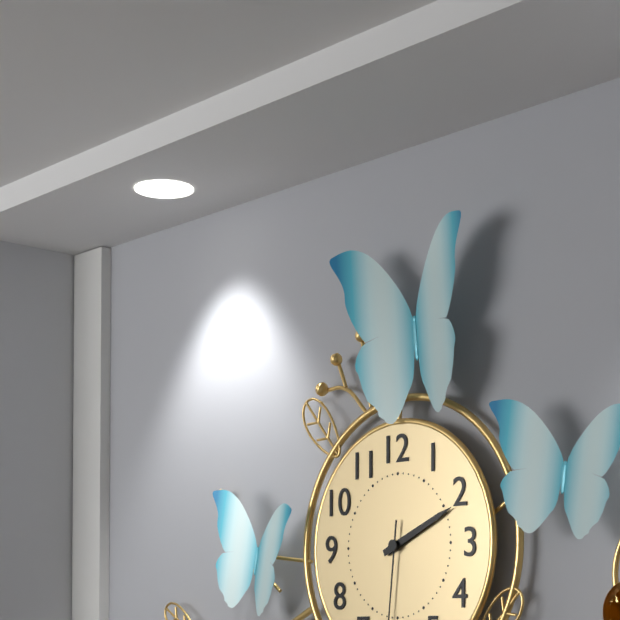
2:11
